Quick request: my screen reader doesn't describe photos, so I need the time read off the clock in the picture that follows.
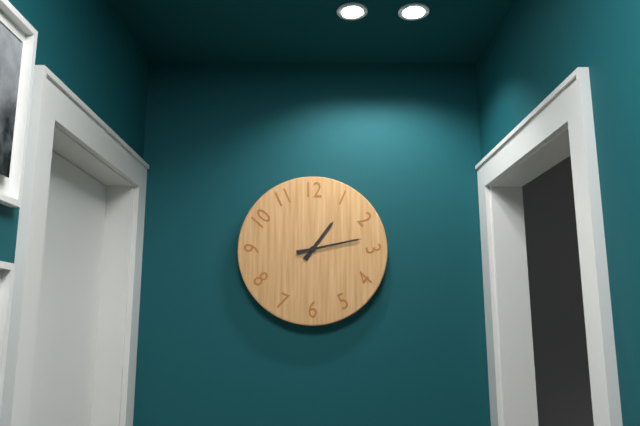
1:13
